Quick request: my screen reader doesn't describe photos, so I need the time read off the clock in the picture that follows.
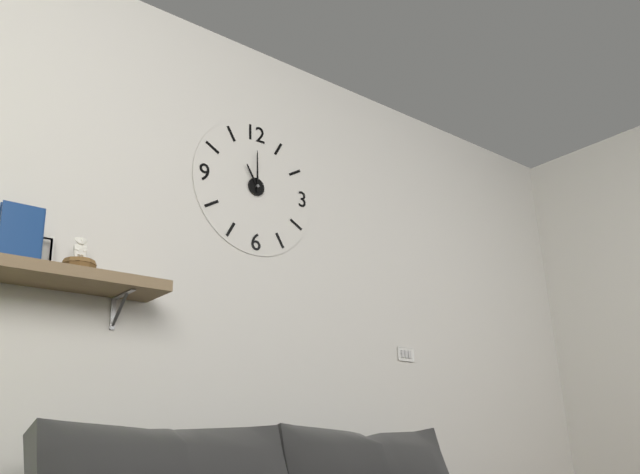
11:00
